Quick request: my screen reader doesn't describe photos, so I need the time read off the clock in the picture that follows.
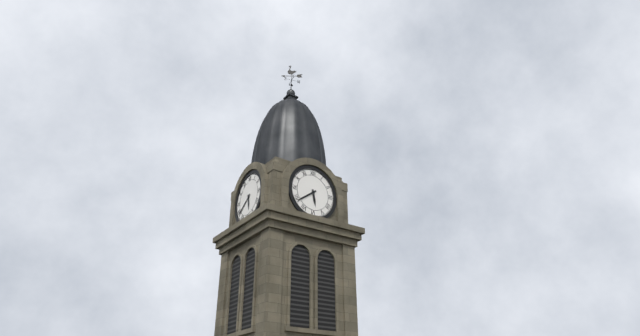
5:39
